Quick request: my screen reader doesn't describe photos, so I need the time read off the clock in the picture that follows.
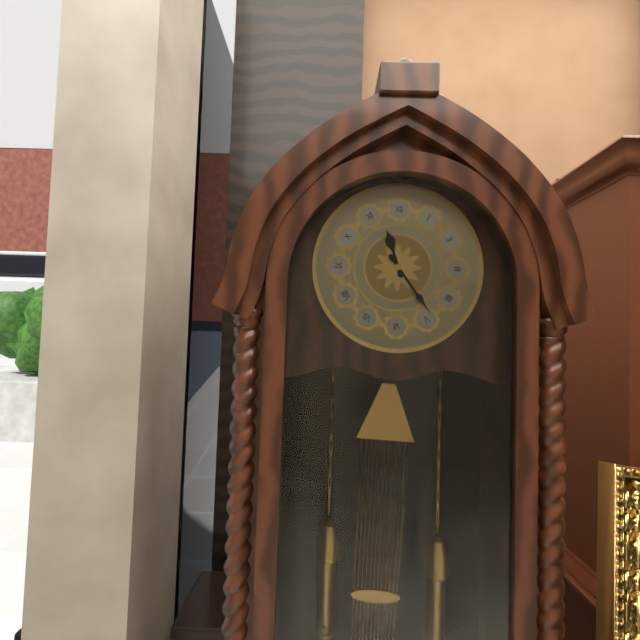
11:24
